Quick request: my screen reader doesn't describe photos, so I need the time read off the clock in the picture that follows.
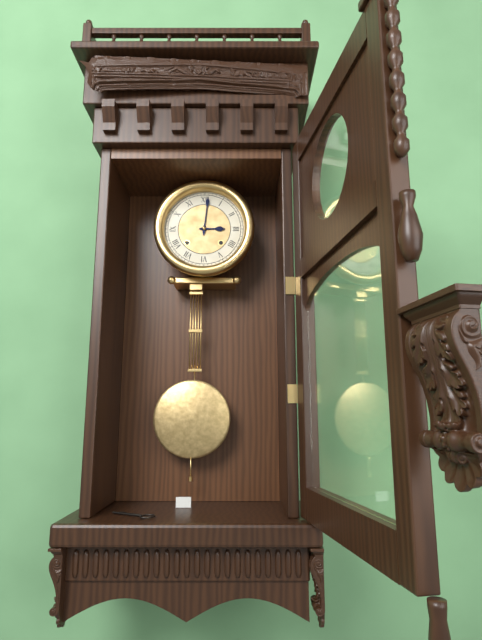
3:01
